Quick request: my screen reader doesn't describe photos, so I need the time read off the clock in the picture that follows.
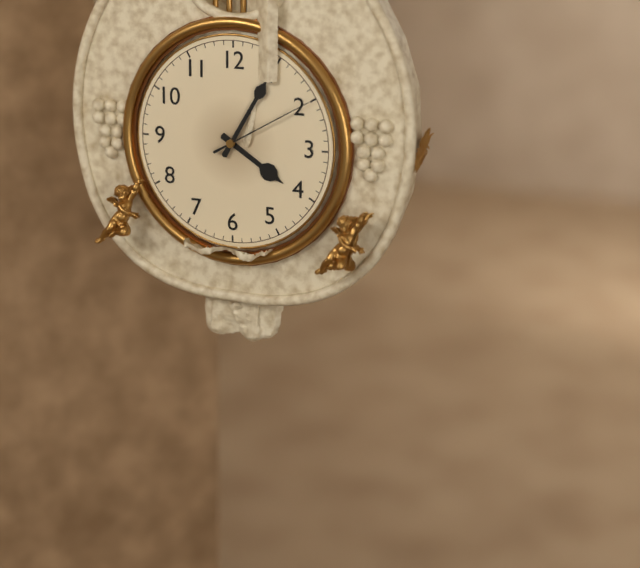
4:05:10
